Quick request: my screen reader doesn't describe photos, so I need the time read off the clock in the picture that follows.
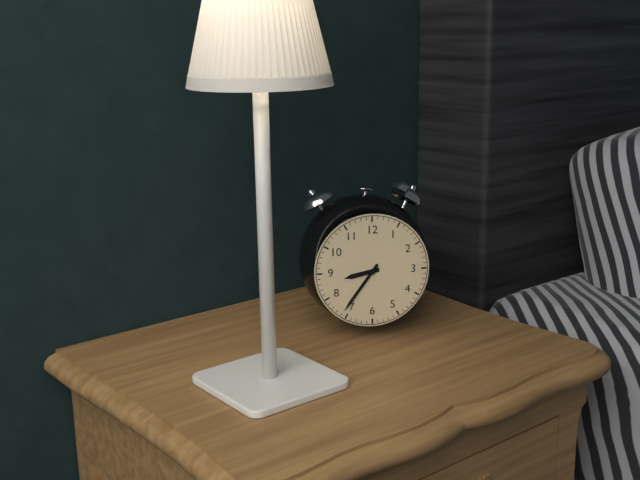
8:36
